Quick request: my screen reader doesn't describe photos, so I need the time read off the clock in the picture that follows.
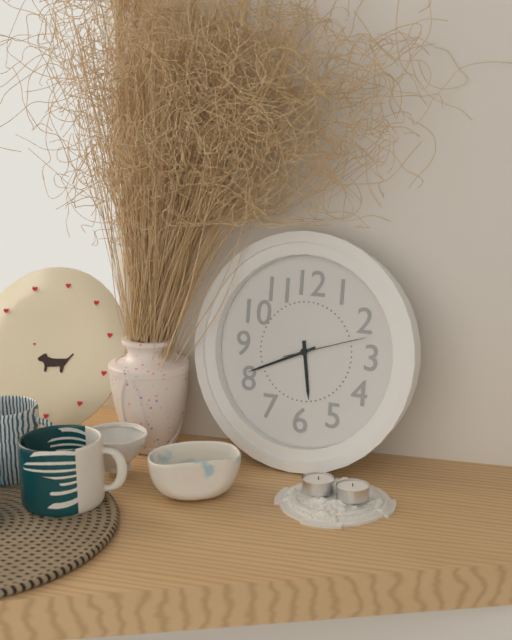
5:41:12
